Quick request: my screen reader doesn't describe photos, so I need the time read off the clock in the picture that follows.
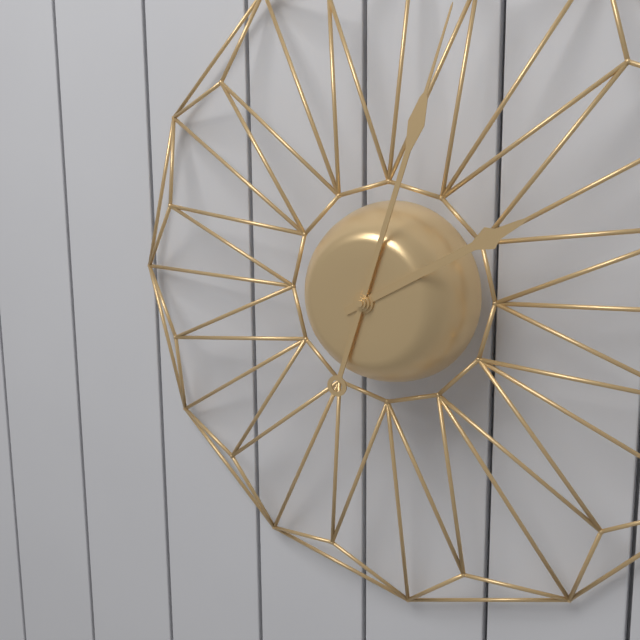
2:03
